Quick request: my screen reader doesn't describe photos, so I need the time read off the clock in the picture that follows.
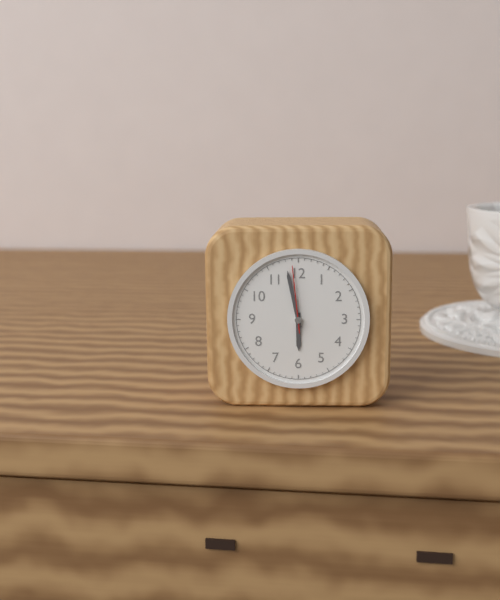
5:58:59
